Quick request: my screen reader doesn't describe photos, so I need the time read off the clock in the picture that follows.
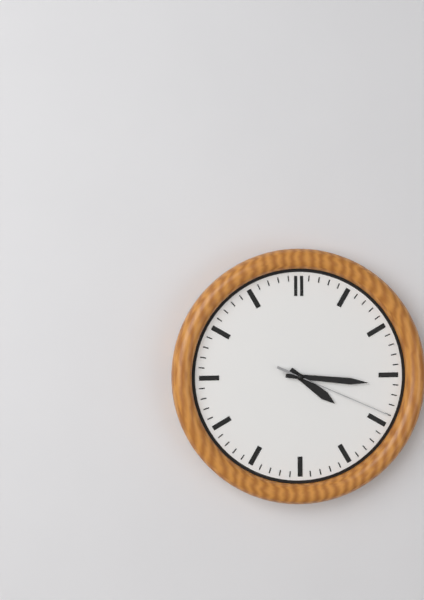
4:16:19
